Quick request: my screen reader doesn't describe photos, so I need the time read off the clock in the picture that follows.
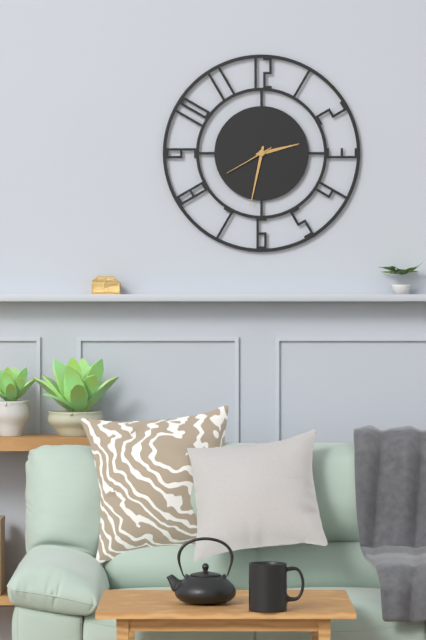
2:32:40
